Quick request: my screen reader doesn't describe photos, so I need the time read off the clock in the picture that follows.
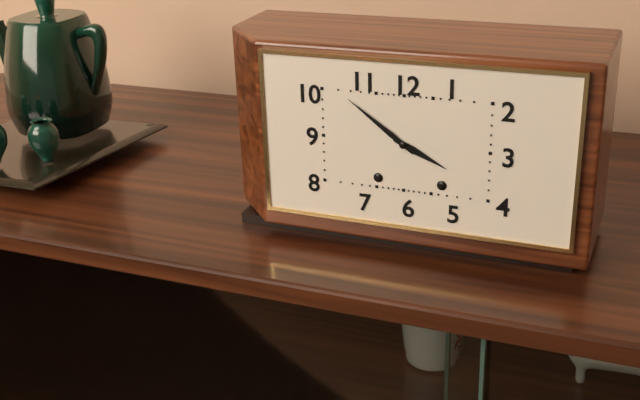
3:51
